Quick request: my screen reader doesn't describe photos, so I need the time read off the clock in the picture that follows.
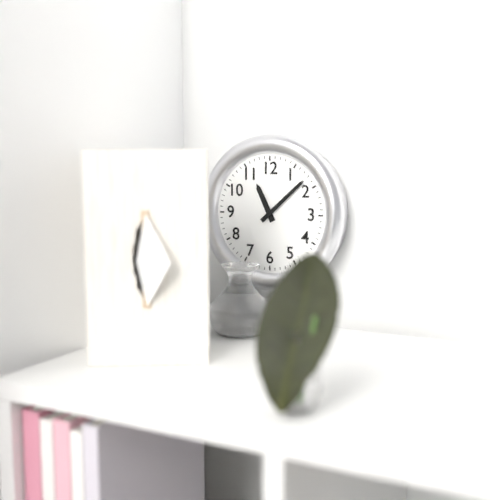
11:08
